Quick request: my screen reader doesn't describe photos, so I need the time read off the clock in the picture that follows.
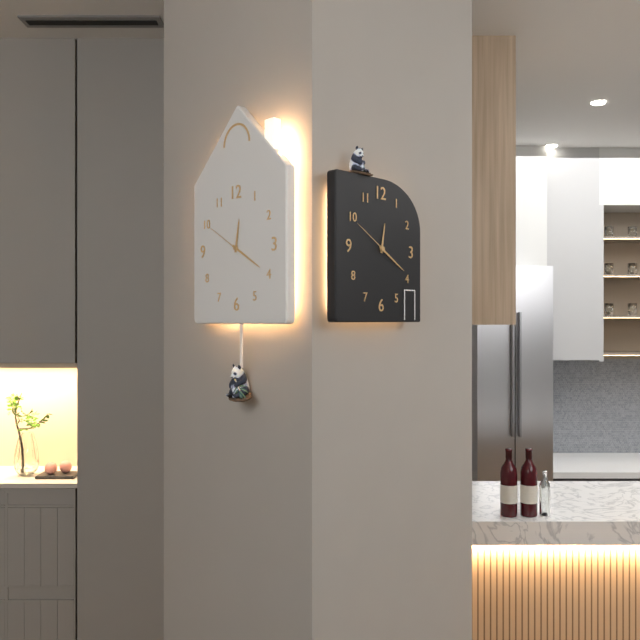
12:20
